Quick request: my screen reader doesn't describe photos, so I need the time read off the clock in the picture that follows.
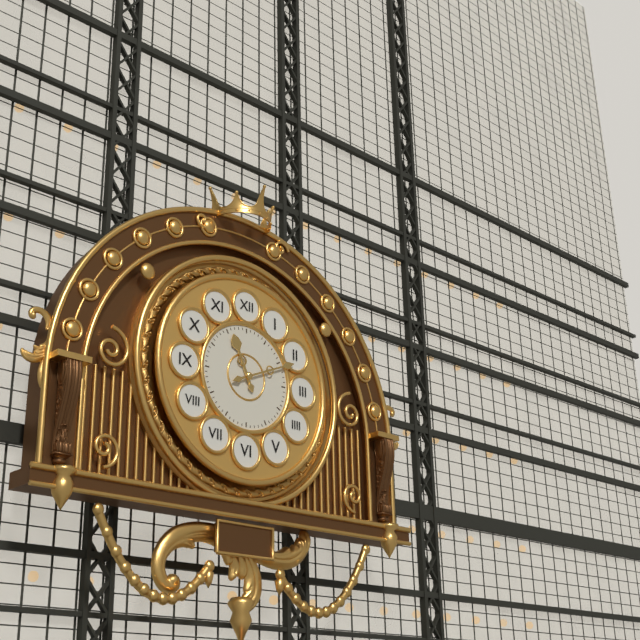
11:11
